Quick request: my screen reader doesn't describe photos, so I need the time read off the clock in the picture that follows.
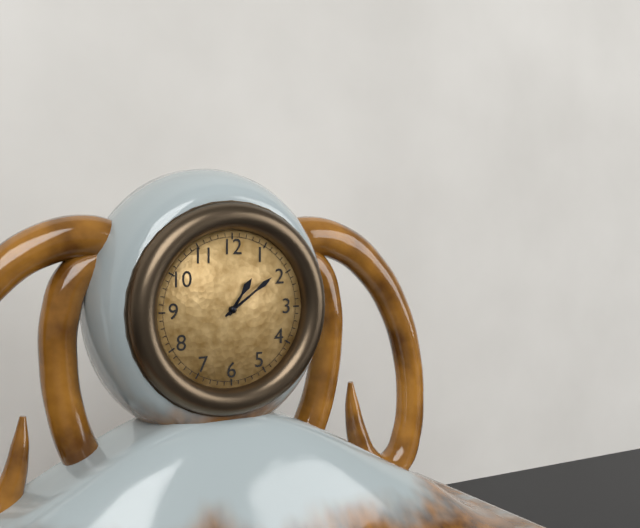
1:09
